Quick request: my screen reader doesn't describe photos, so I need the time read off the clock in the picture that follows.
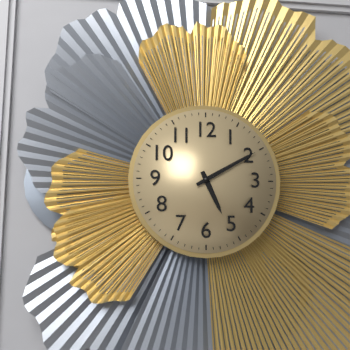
5:10
